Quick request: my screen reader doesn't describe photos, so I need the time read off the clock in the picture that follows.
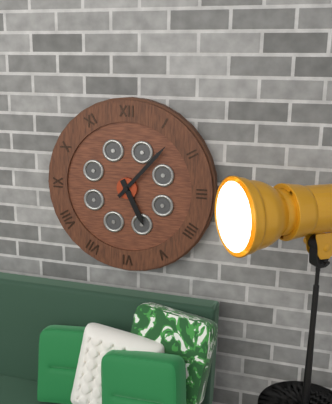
5:07
